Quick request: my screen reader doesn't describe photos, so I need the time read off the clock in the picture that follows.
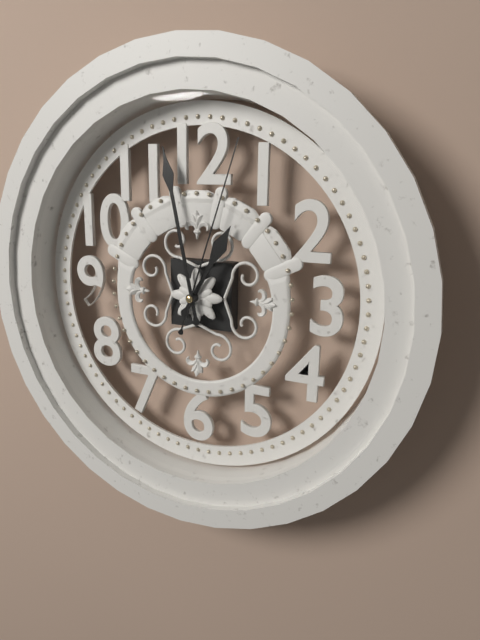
12:58:03
